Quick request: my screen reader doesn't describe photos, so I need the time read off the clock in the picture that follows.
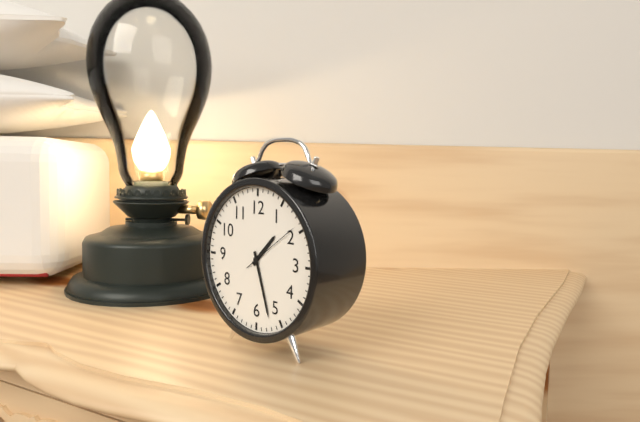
1:27:09
